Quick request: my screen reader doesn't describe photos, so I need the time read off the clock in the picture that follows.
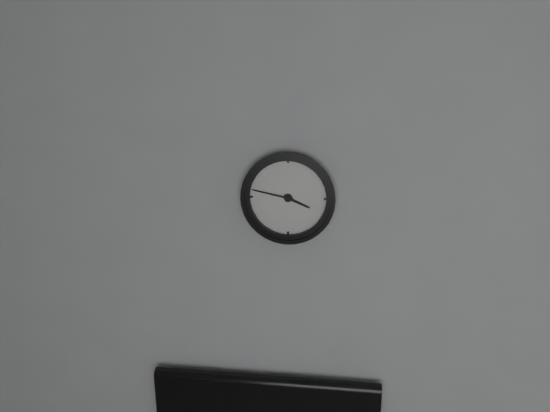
3:47
